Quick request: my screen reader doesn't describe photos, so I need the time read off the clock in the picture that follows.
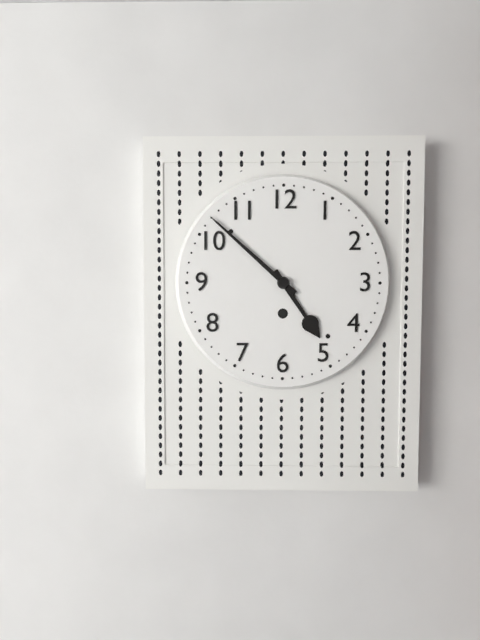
4:52
